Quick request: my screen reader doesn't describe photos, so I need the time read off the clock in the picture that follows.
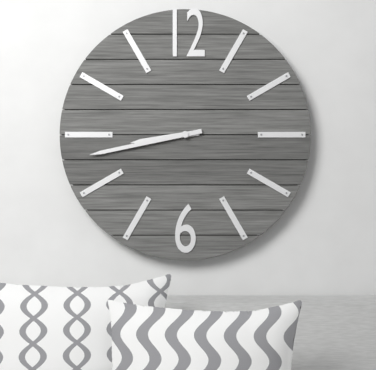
8:43
